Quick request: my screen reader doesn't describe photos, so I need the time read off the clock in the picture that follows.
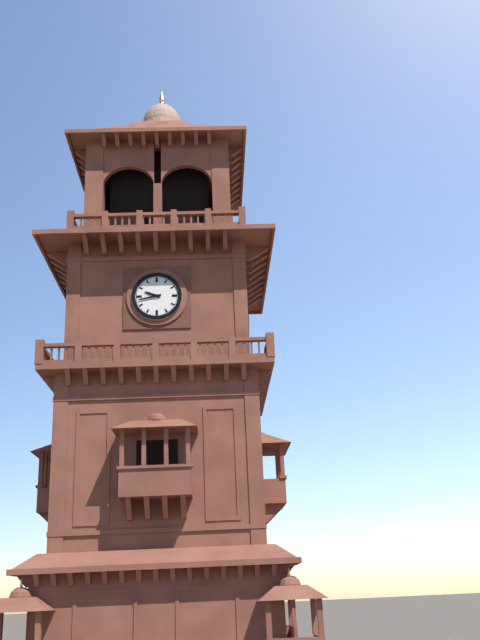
9:43
